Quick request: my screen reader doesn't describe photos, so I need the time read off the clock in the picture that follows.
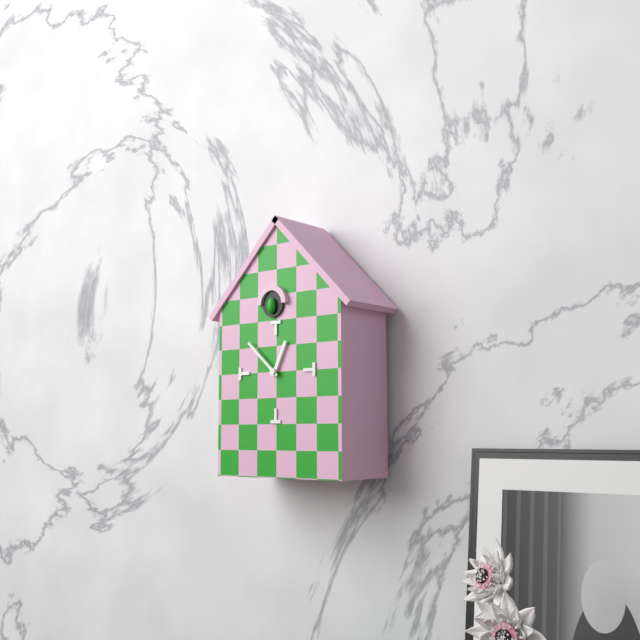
12:52
